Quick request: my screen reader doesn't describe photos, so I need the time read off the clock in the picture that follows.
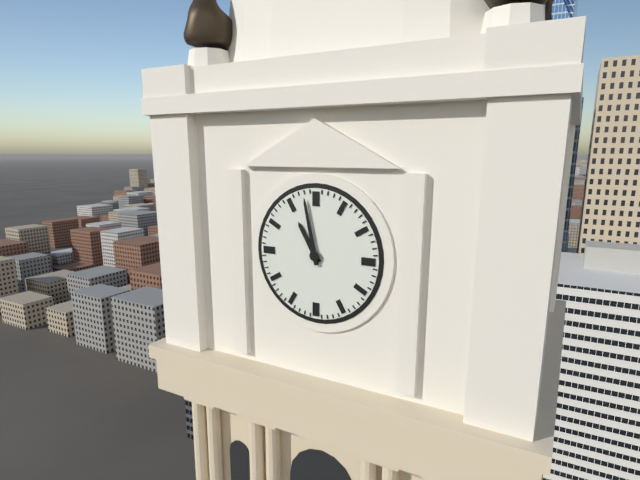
10:58
